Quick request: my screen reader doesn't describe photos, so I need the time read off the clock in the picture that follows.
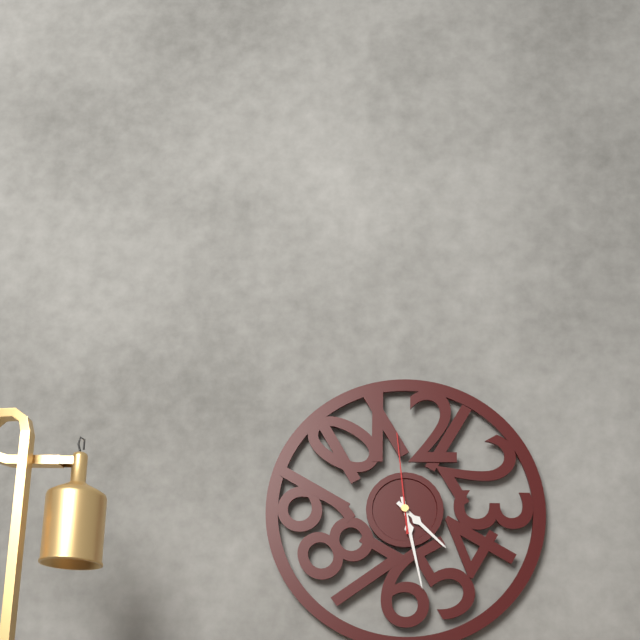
4:28:59
